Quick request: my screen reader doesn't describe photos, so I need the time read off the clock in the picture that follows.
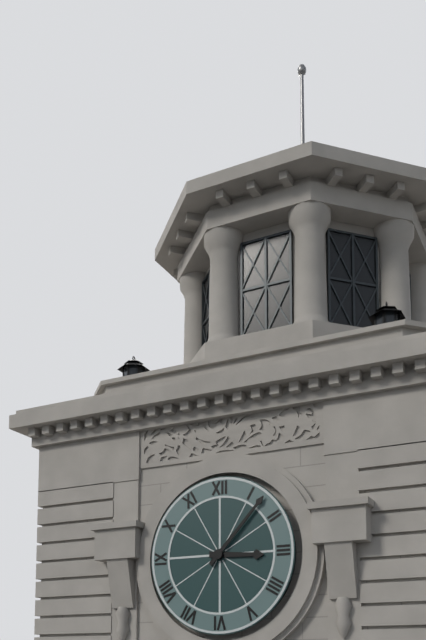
3:07
